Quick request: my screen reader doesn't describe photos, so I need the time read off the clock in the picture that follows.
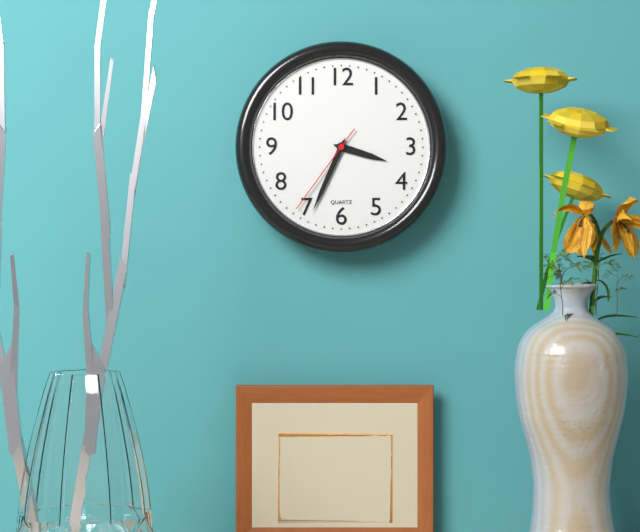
3:34:36
